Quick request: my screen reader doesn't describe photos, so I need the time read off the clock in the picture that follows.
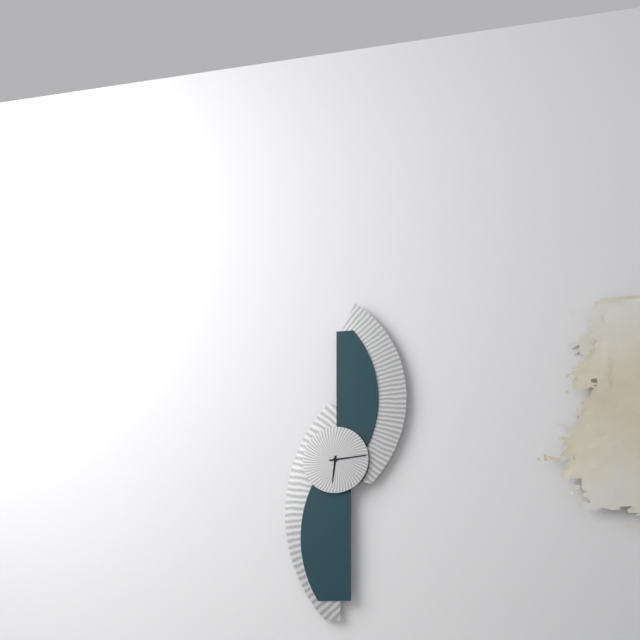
6:14
